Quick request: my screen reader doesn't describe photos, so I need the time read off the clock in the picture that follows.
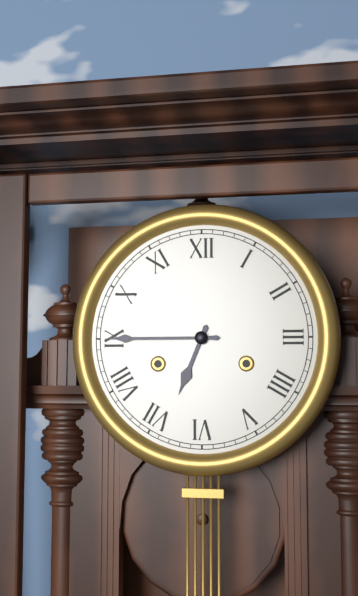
6:45
